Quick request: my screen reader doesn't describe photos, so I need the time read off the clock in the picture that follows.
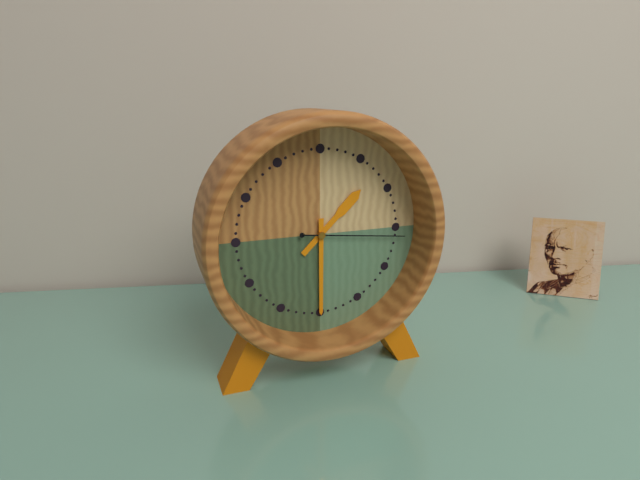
1:30:16
